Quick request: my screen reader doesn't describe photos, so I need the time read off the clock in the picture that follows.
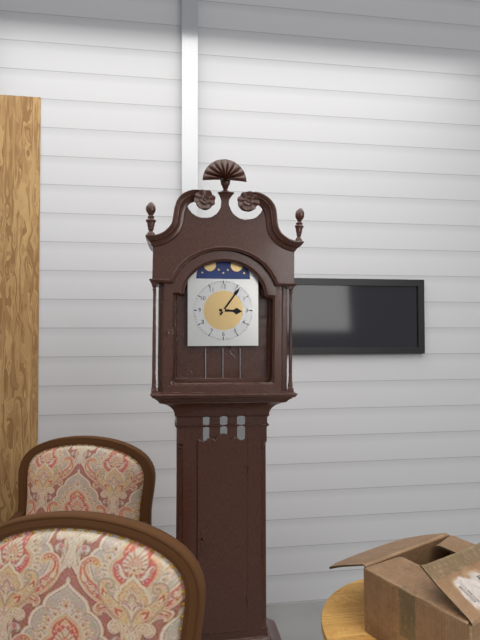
3:06
